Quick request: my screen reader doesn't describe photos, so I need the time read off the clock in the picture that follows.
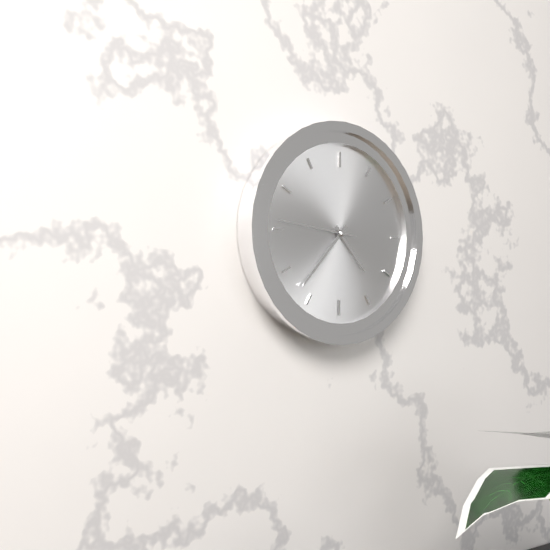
4:37:46
